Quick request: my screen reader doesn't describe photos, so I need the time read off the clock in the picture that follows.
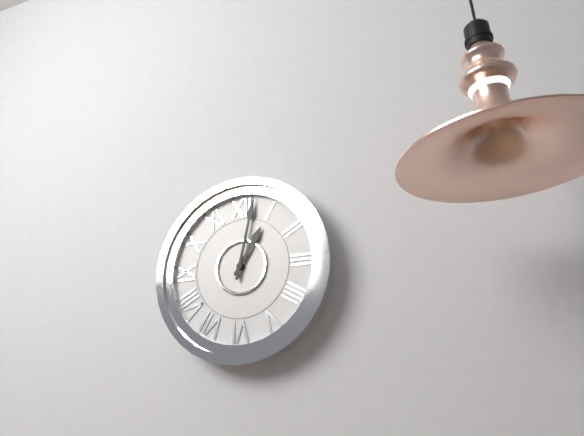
1:02
